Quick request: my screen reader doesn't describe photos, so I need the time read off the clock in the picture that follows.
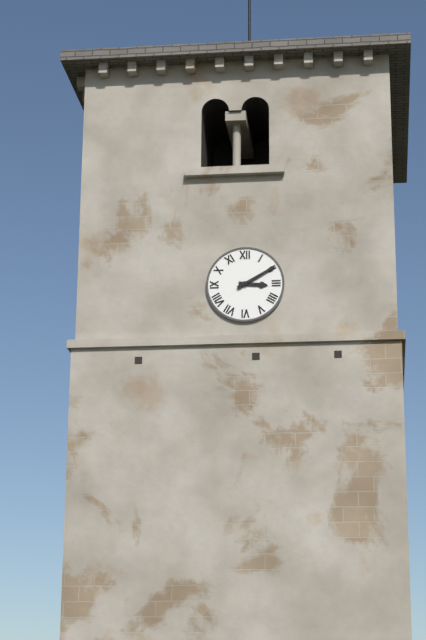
3:10
